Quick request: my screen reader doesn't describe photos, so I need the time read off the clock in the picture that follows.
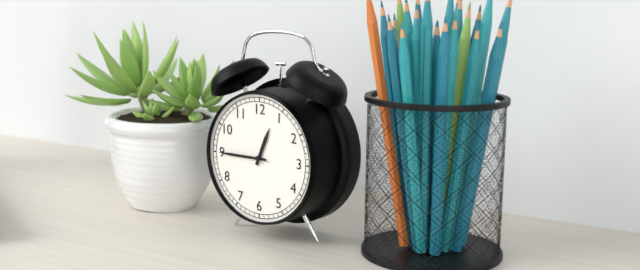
12:45
